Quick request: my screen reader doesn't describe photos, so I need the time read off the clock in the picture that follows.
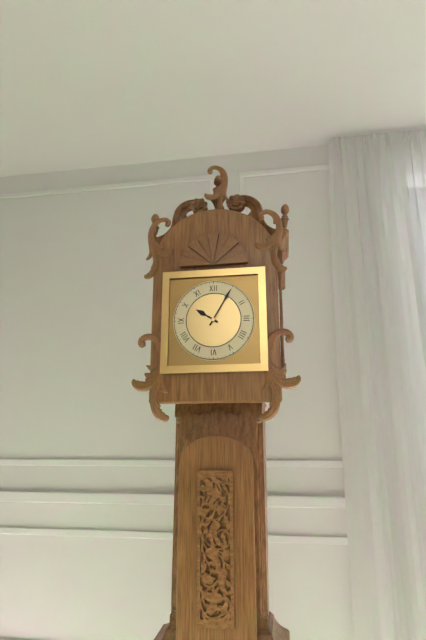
10:05
